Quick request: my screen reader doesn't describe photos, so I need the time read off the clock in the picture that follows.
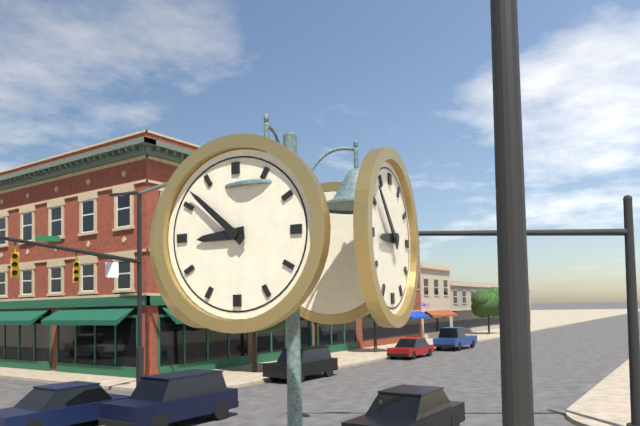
8:52
